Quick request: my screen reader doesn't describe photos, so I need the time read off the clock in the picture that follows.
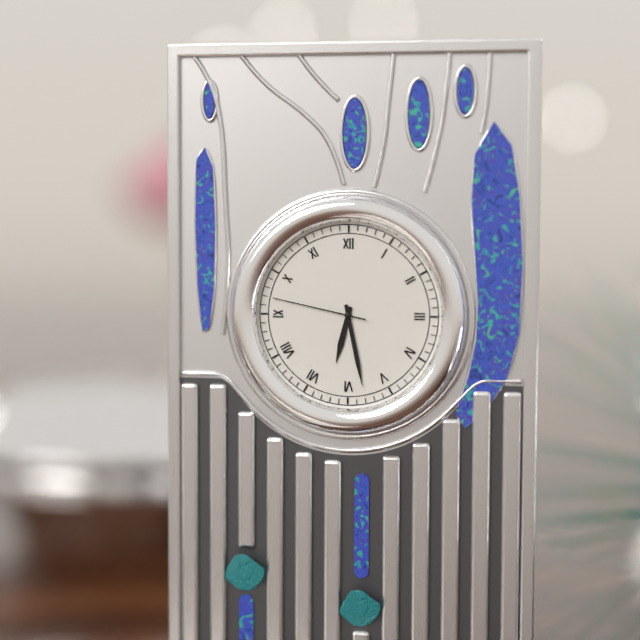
6:28:47
